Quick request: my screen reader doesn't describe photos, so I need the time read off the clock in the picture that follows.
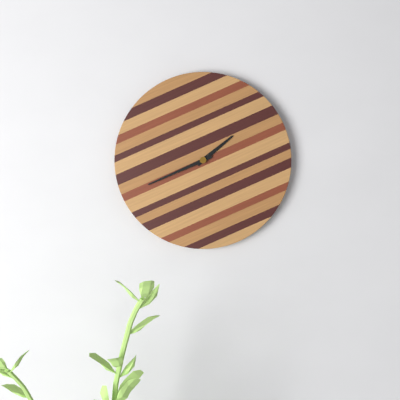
1:41
